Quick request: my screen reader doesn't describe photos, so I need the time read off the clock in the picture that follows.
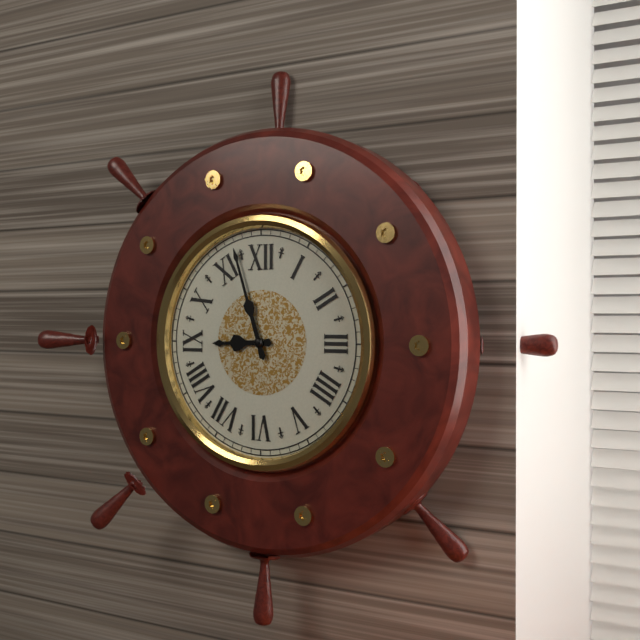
8:57
